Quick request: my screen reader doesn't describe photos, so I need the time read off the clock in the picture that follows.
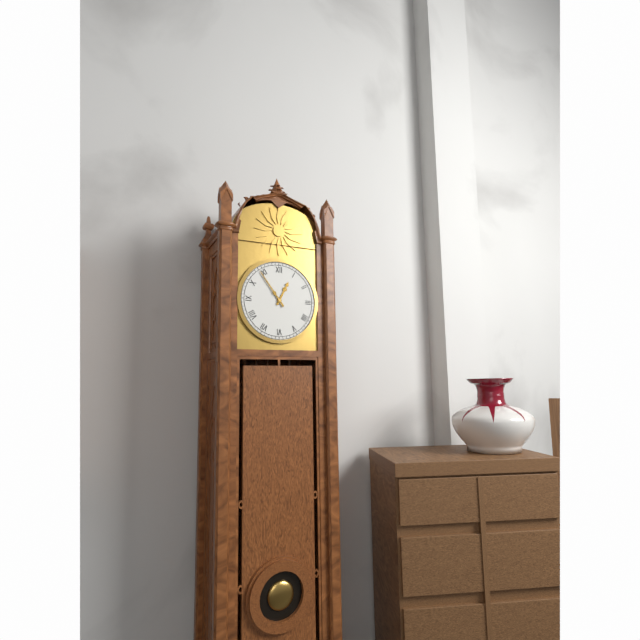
12:54
